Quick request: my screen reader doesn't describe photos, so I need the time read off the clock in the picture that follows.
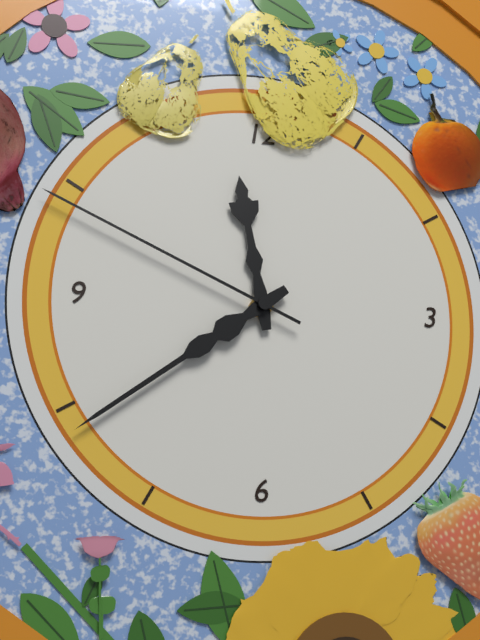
11:39:49
